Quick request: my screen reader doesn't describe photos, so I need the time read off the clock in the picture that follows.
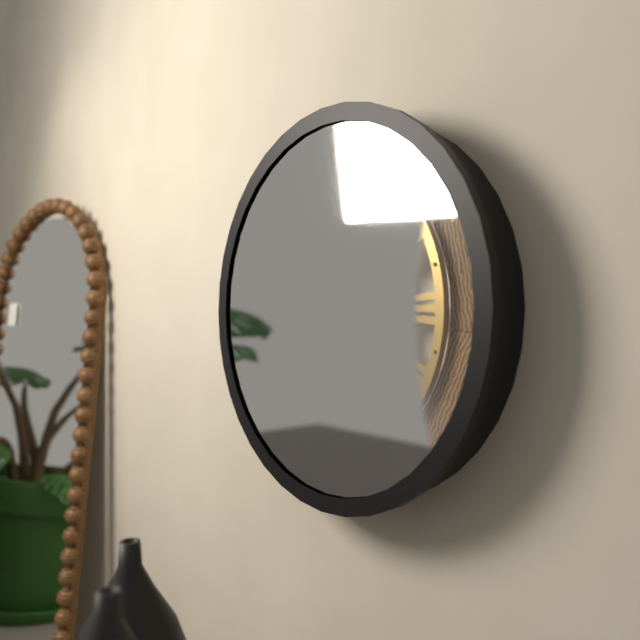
4:08
